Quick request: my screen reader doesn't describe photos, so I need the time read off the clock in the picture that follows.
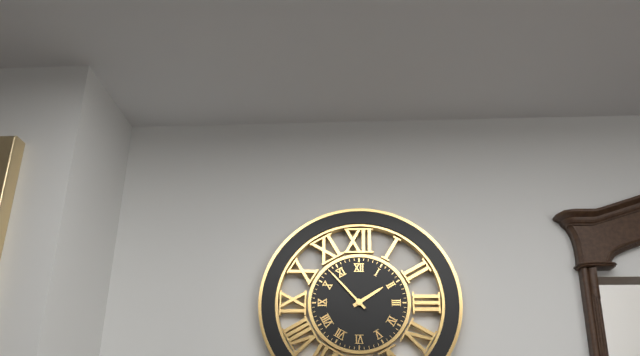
1:53
